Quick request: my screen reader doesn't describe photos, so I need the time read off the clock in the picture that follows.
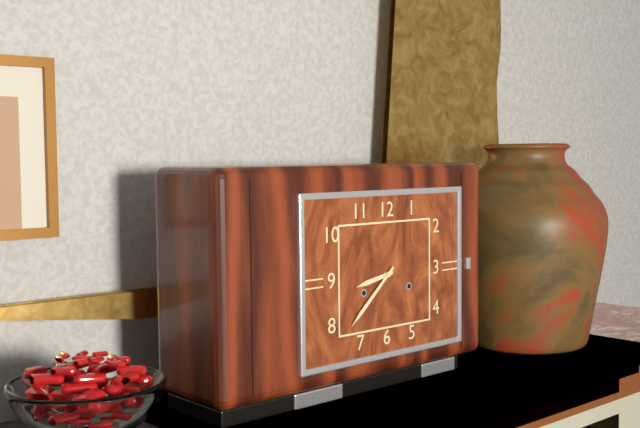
8:38
